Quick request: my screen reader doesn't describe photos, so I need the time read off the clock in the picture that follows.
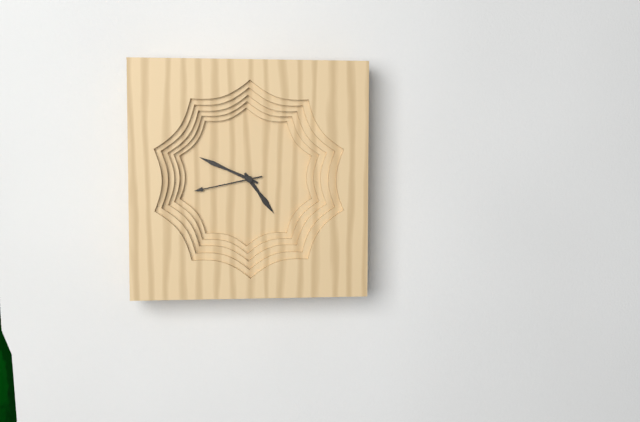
4:49:43
